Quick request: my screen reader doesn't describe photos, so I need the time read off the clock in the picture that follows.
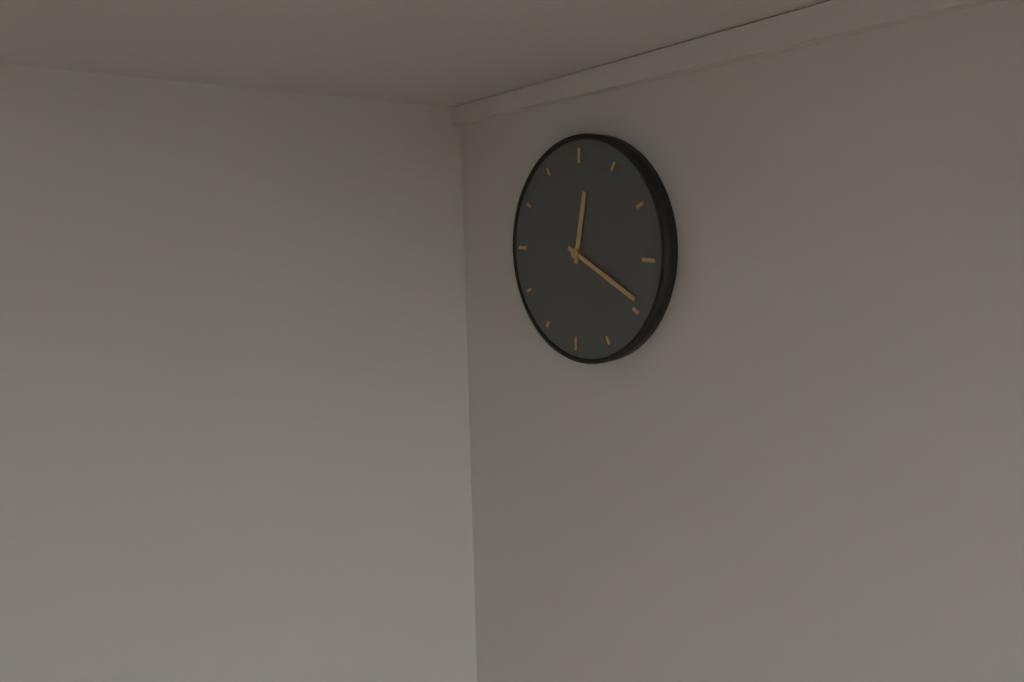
12:19
